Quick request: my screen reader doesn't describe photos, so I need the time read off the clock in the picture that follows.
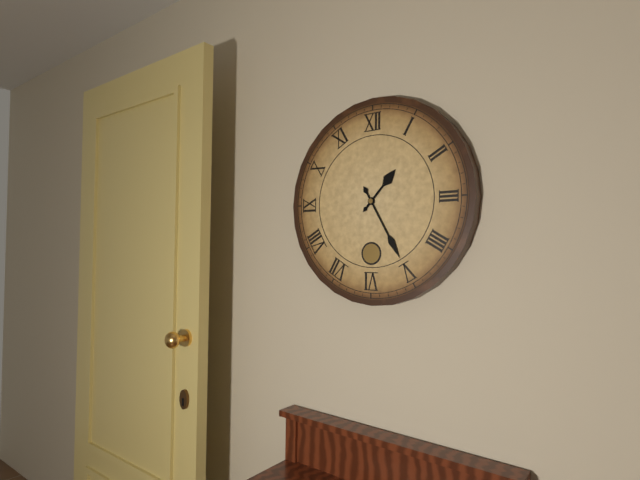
1:25
